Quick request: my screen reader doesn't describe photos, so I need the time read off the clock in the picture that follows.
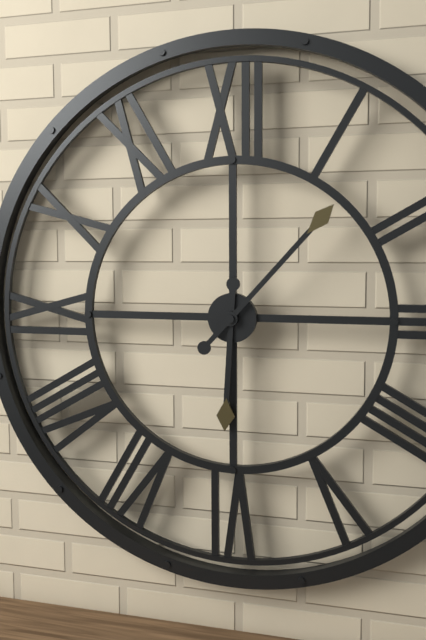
6:07
